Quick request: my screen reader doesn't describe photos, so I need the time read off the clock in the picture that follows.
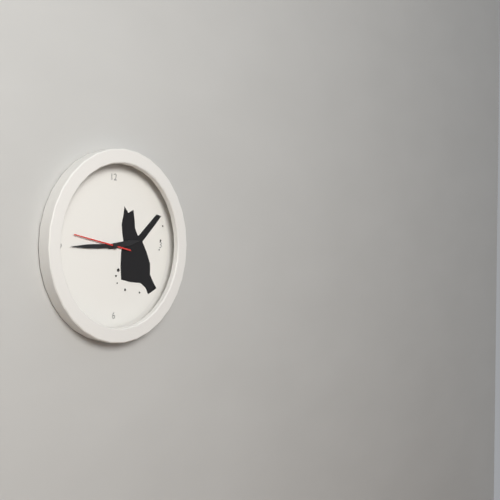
2:45:47
